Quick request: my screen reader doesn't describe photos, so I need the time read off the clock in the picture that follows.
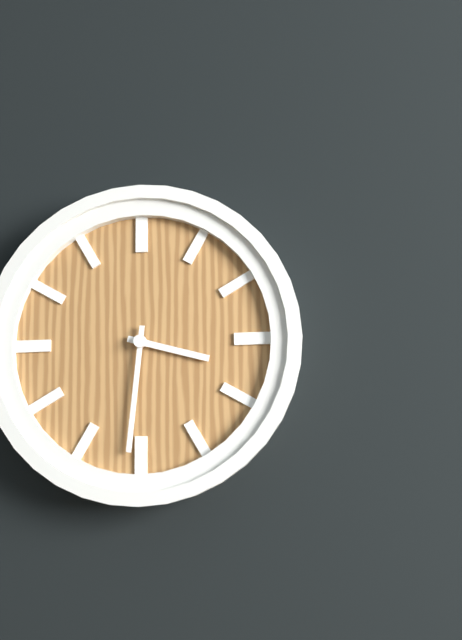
3:31
